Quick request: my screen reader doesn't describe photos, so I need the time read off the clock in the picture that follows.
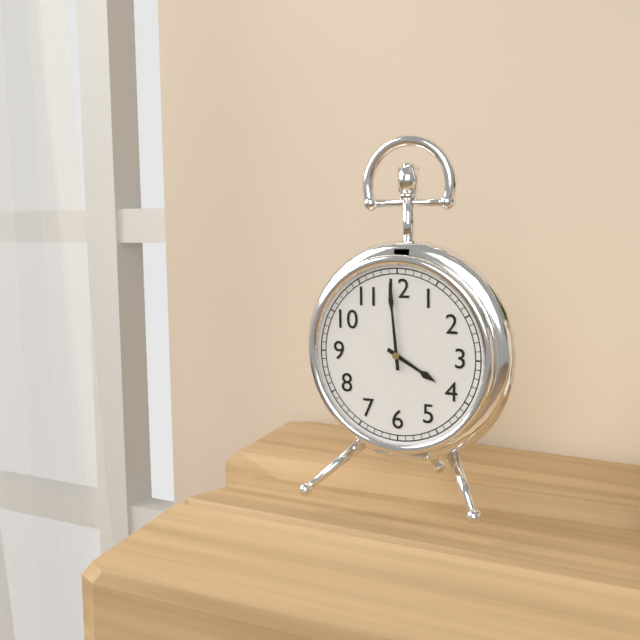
3:59
